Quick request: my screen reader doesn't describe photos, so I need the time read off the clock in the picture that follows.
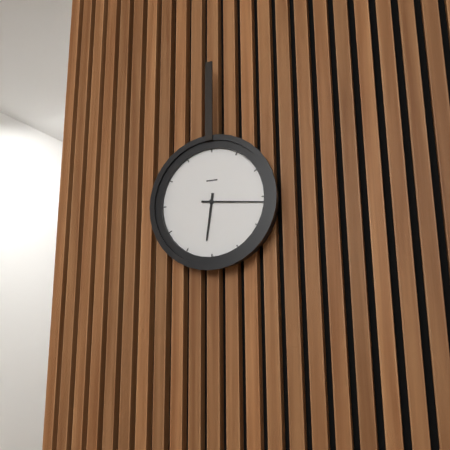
6:16
